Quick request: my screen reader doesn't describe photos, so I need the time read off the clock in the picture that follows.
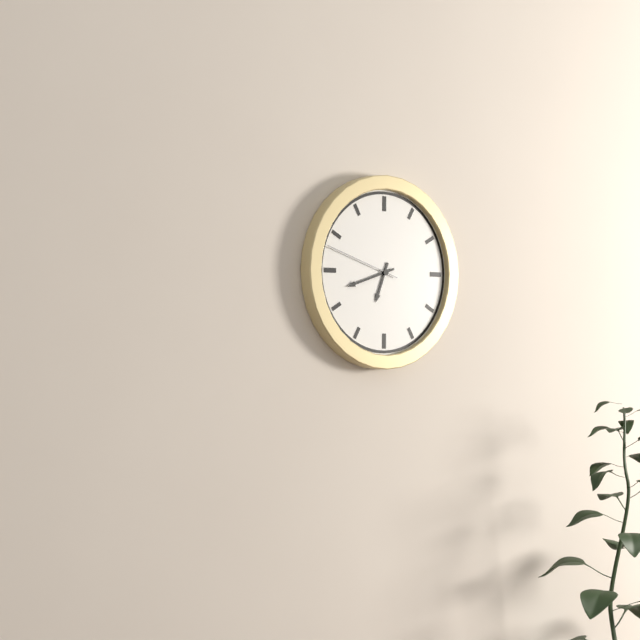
6:42:48
